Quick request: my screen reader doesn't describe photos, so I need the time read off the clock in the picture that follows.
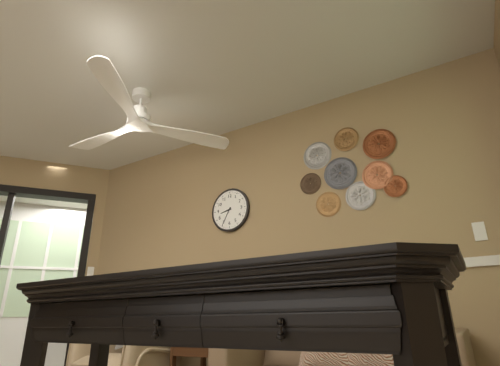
8:35
